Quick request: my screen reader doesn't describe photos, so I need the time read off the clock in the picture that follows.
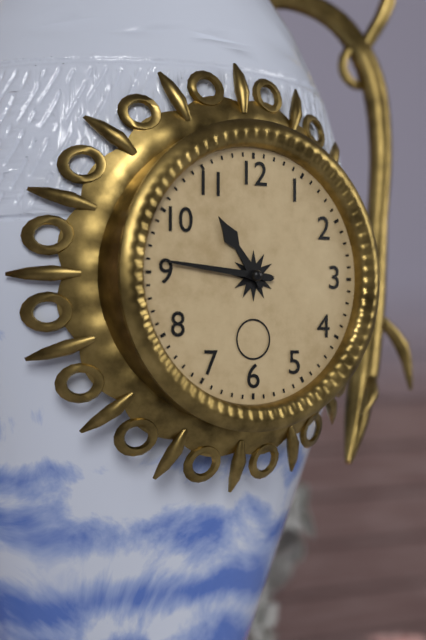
10:46
